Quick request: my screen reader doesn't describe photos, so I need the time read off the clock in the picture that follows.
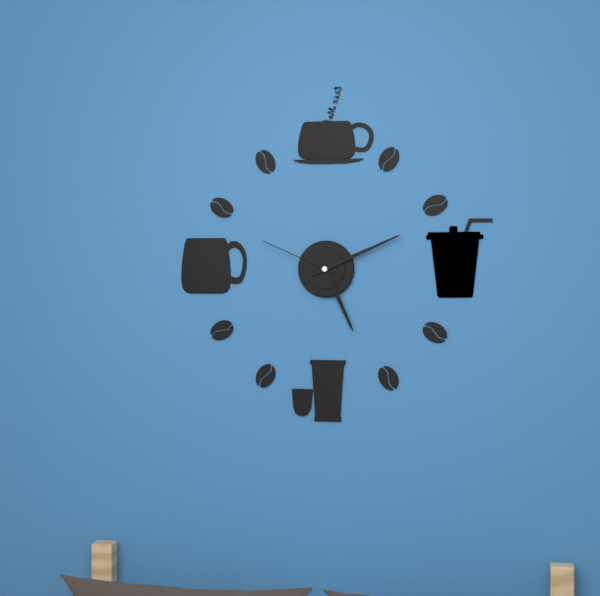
5:11:49
